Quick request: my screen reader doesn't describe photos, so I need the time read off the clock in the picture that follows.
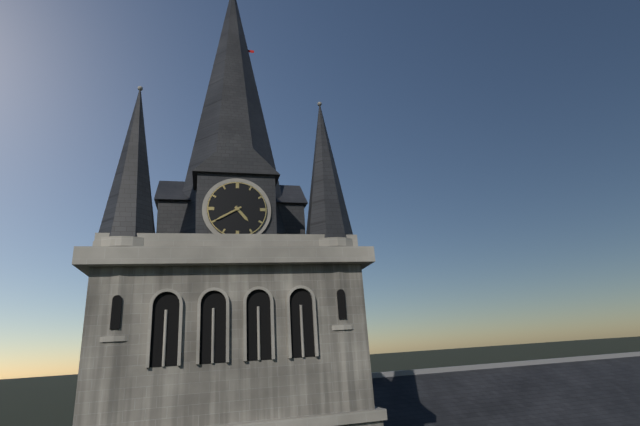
4:40
